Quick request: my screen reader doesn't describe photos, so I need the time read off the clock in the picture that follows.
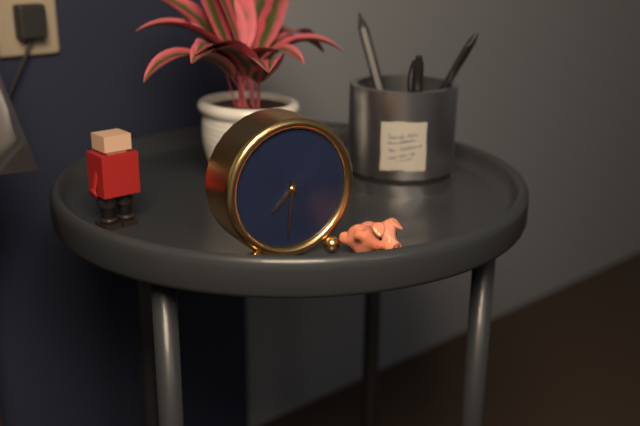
7:31
